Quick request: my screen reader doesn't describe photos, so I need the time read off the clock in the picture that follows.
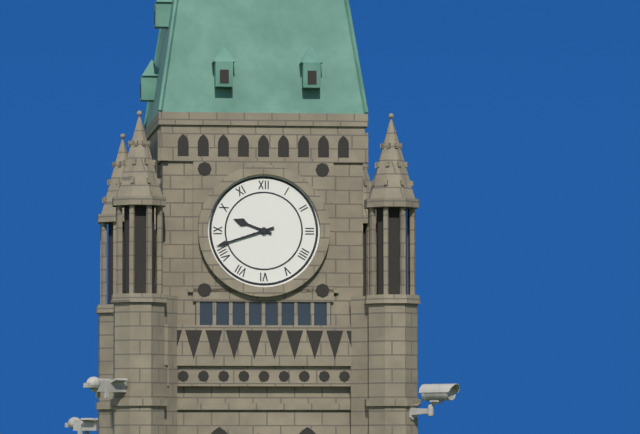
9:42
